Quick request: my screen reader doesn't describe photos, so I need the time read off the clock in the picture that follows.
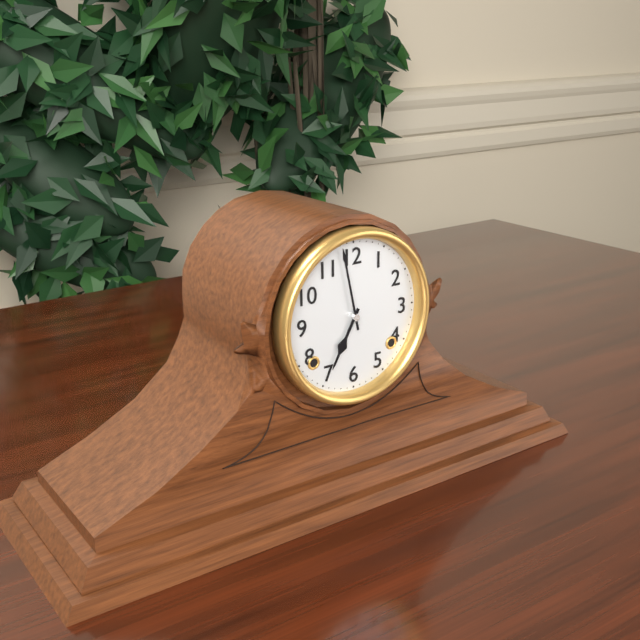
6:58
